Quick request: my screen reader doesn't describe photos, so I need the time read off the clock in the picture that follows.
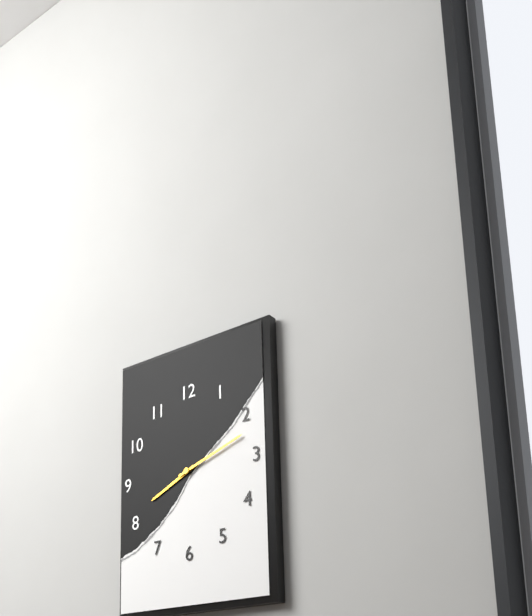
8:12
